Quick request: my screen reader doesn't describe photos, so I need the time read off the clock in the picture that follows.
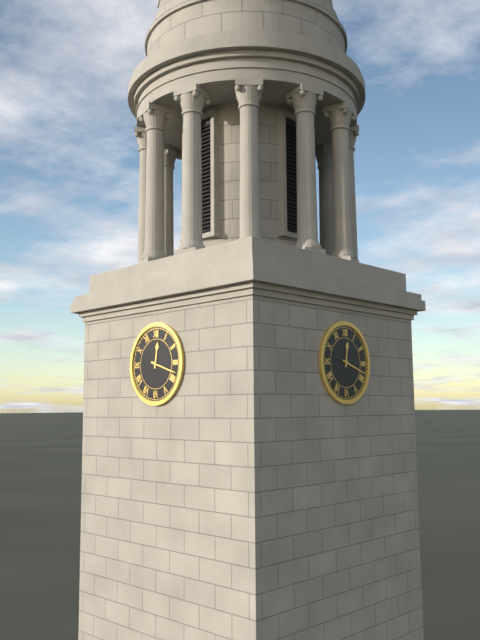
12:18
